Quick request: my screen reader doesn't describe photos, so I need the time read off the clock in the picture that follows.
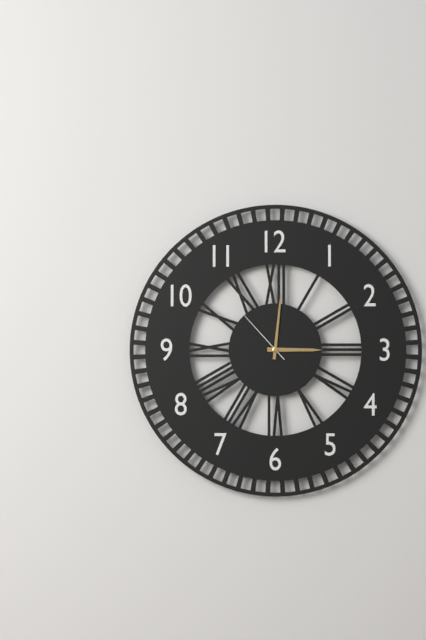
3:01:53
